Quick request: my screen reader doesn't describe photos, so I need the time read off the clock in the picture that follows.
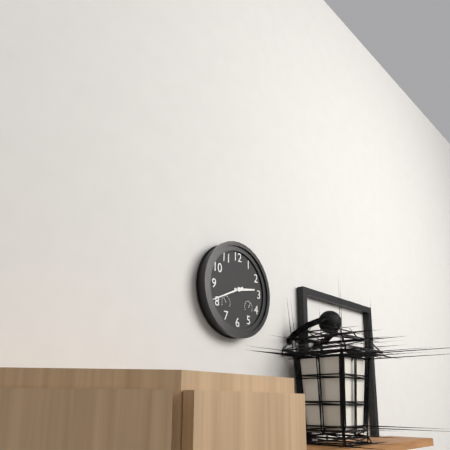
2:41
